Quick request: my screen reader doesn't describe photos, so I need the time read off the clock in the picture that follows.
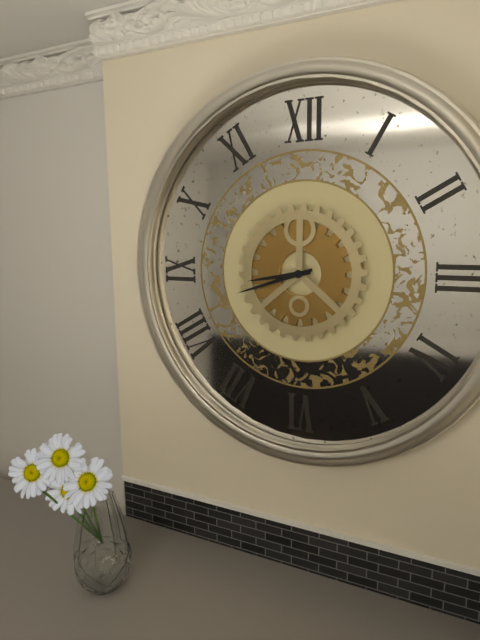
8:42
